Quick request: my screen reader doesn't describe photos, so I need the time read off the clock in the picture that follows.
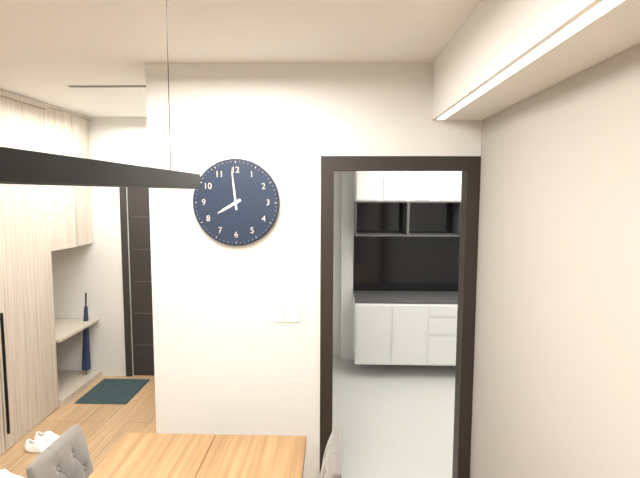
7:59
